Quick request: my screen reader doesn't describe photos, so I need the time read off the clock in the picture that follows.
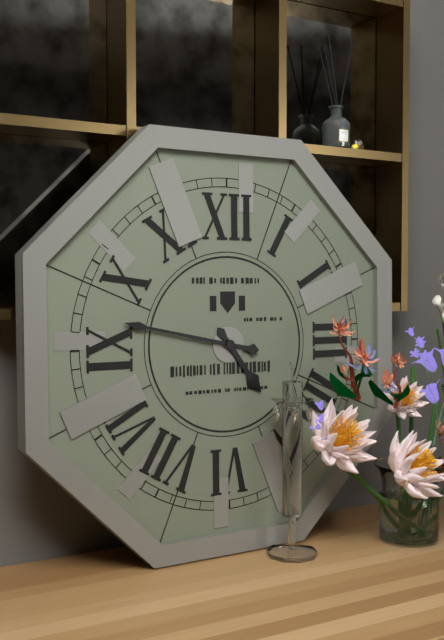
4:47
